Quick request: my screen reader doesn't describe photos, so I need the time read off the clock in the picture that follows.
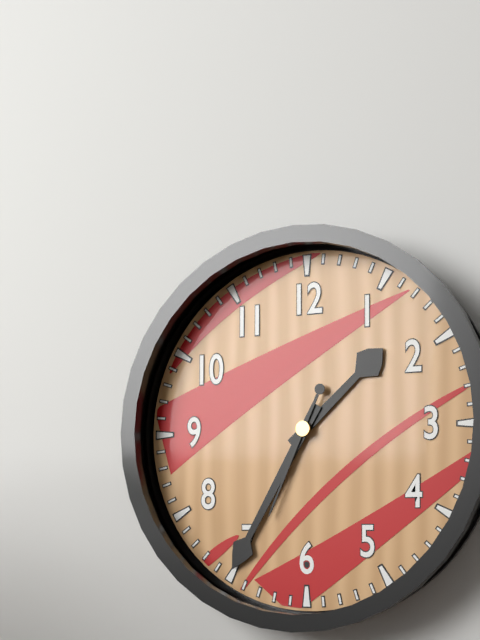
1:35:34
